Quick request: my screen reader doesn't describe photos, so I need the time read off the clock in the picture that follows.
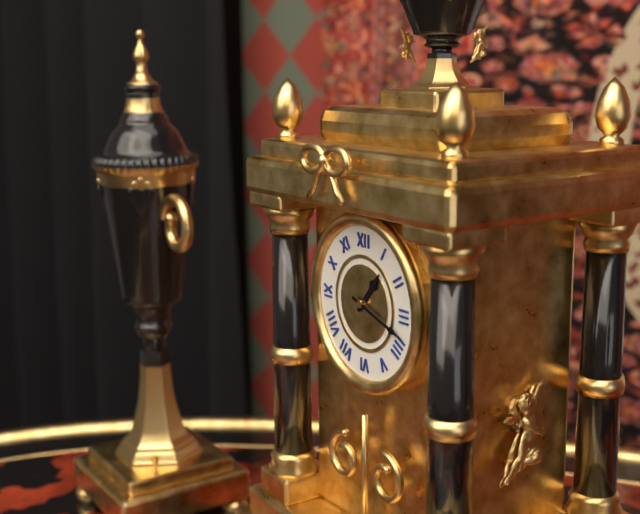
1:18
